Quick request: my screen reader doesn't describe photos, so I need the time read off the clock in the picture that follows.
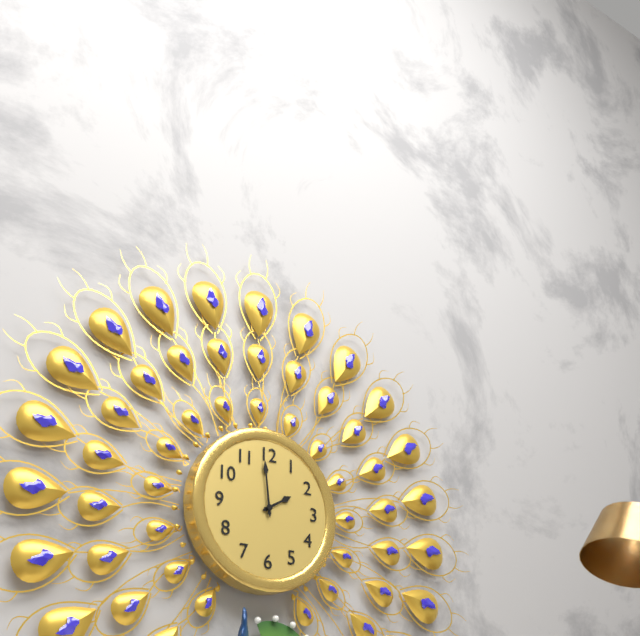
1:59
